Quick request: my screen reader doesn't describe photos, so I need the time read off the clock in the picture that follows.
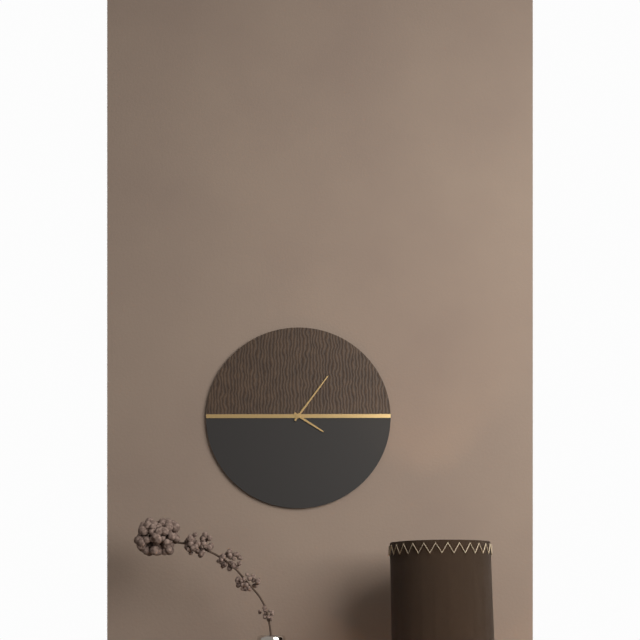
4:06
